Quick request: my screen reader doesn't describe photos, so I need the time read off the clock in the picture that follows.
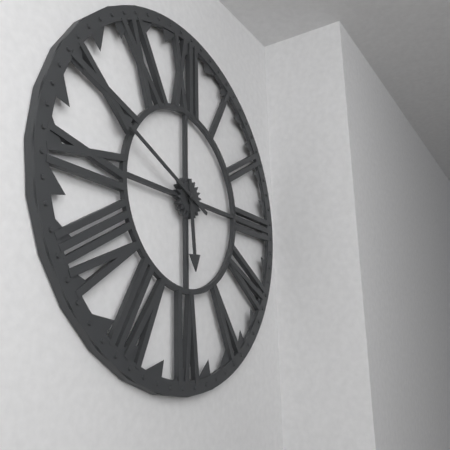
5:49
